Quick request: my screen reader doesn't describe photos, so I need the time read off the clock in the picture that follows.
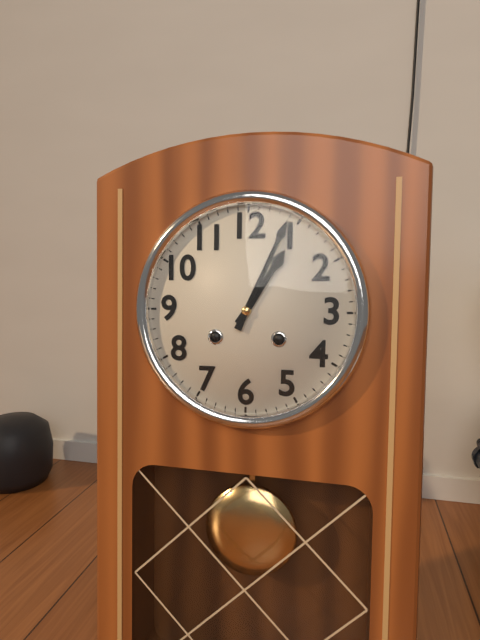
1:04
